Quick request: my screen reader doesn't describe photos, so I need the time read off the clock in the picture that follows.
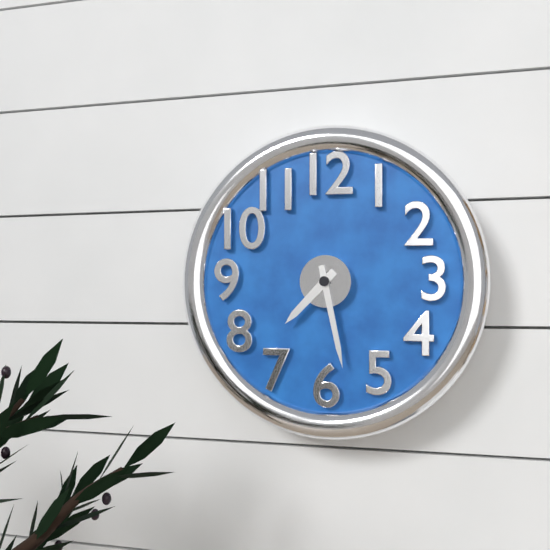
7:28
